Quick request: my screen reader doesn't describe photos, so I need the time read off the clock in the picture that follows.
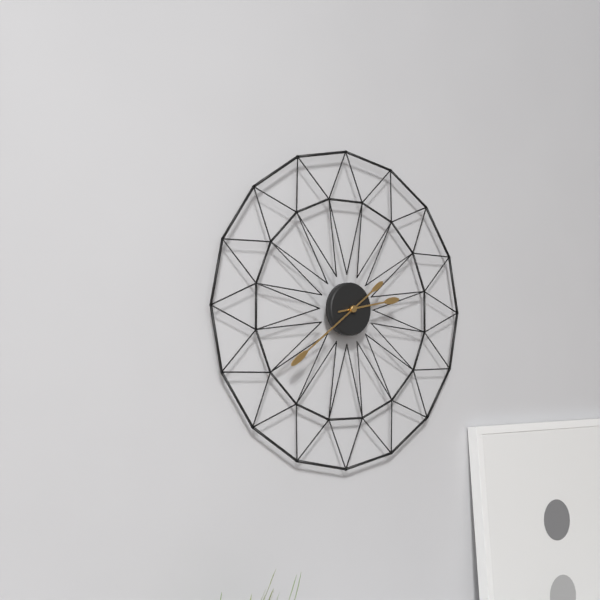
2:39
